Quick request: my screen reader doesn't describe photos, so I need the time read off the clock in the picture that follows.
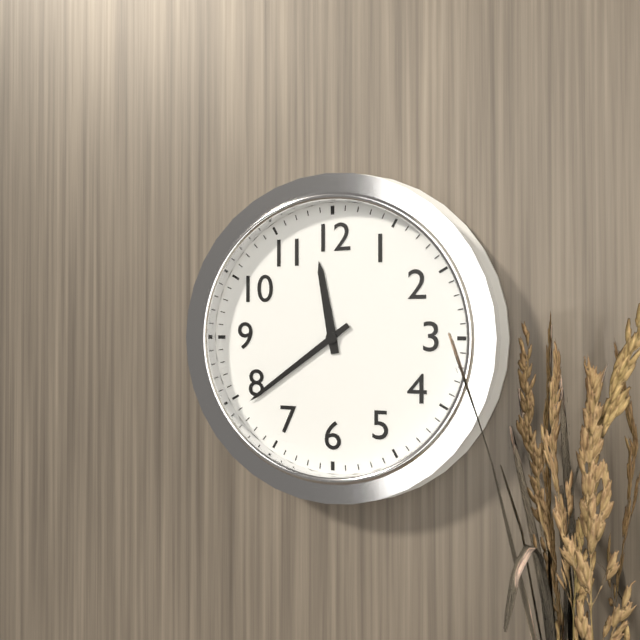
11:39
